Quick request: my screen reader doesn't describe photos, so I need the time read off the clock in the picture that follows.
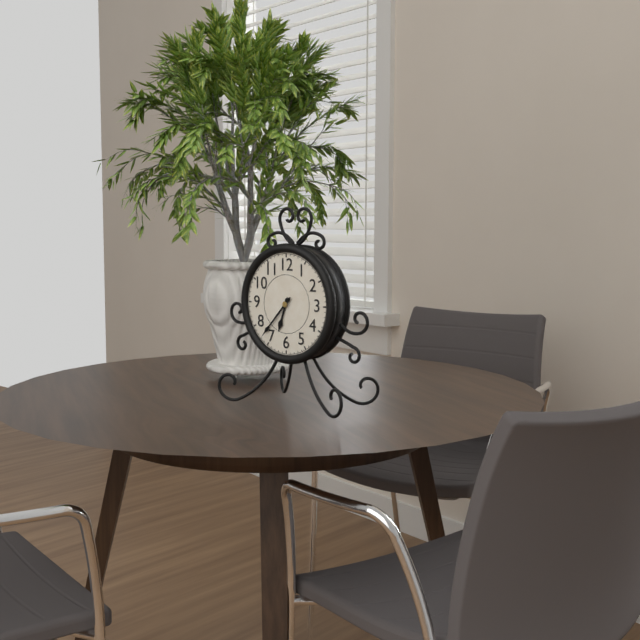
6:37
